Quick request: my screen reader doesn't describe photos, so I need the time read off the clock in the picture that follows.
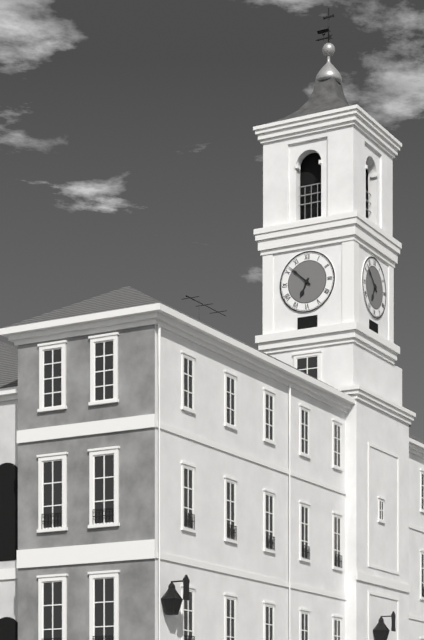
6:52
